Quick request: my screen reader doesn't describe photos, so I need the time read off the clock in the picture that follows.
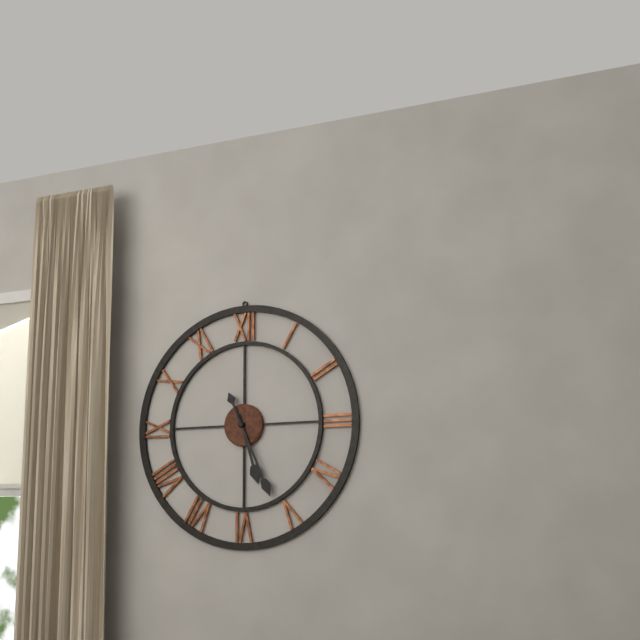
5:26
